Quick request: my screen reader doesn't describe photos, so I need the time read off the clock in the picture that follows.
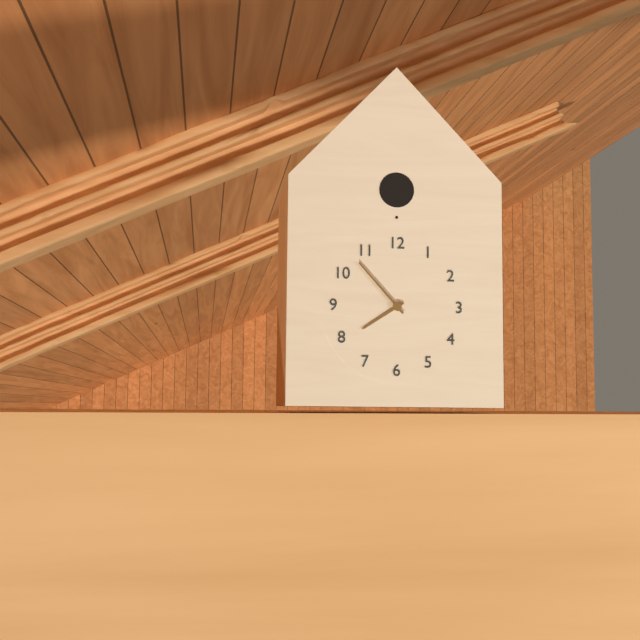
7:53
